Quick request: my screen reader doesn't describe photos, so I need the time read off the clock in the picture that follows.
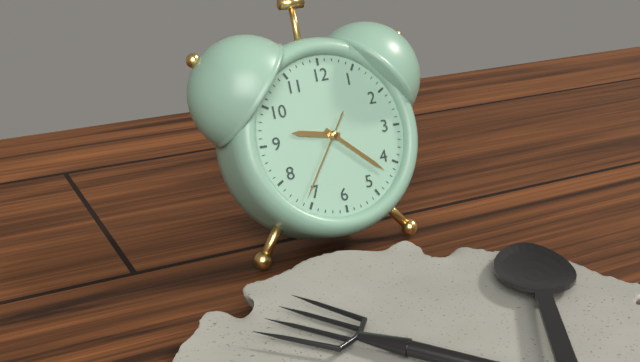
9:22:36
